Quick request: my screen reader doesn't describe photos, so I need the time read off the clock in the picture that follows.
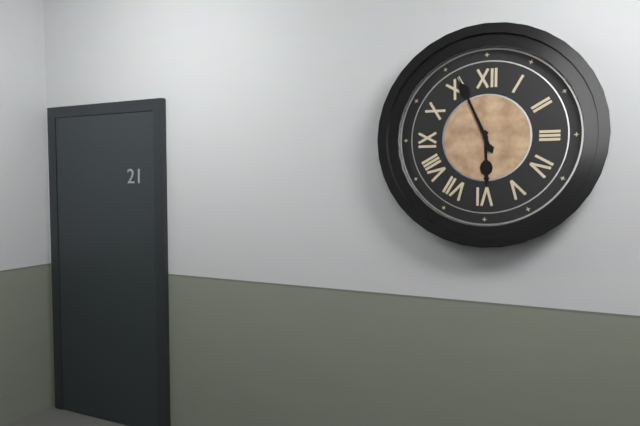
5:56
